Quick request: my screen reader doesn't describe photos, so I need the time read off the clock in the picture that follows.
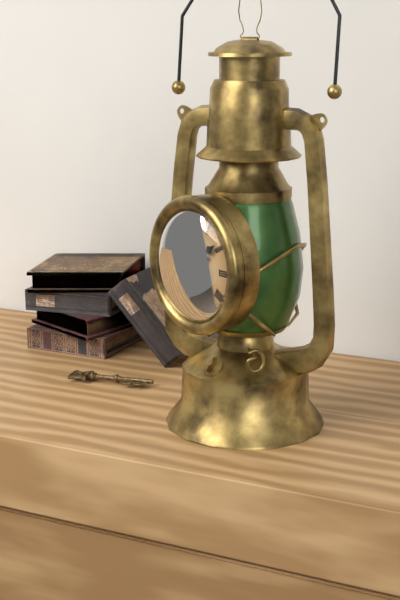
2:09
